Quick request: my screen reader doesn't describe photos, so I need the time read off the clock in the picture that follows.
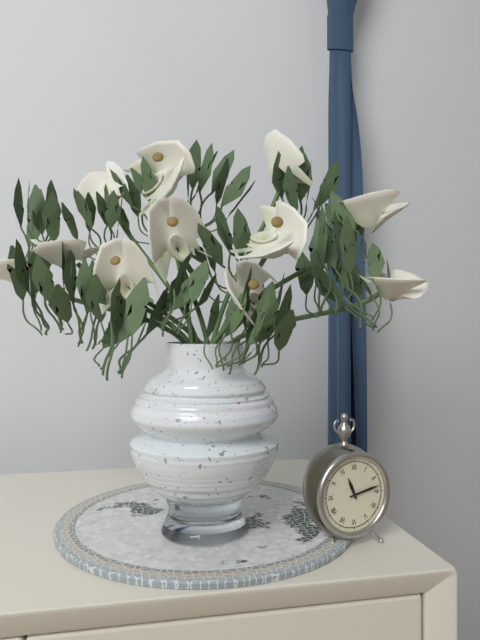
11:13
